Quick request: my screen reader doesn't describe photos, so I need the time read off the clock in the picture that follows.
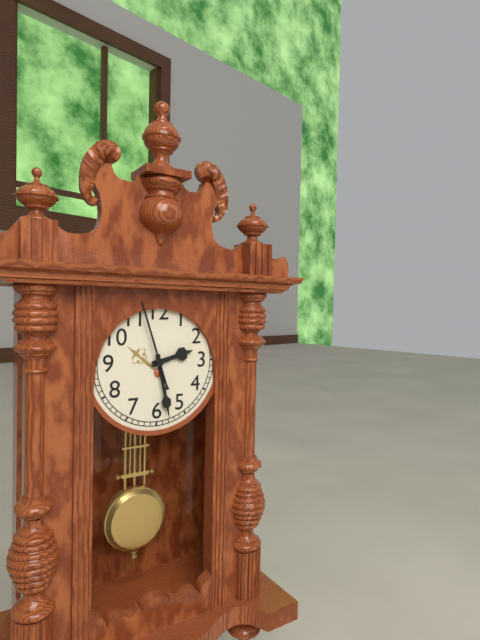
2:28:57
